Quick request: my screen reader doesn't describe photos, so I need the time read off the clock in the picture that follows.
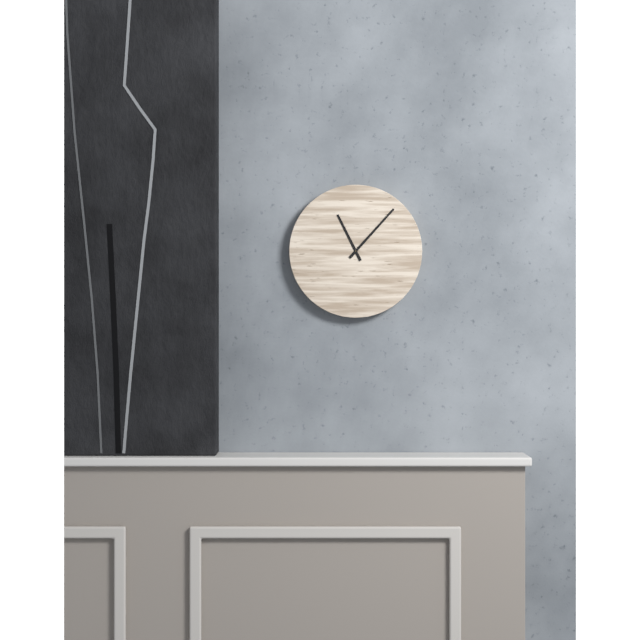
11:07
